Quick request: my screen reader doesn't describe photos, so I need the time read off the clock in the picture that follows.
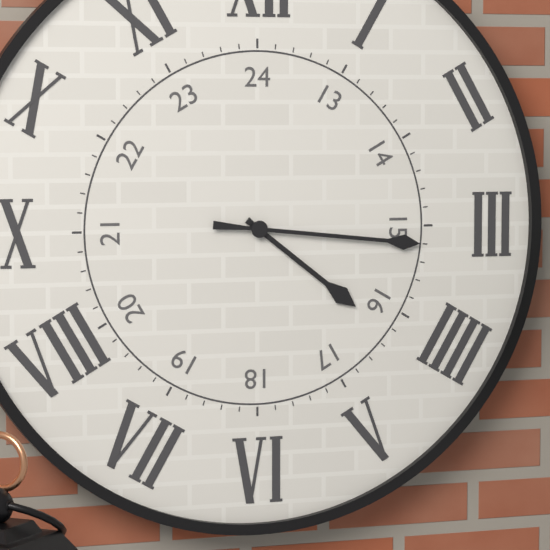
4:16
